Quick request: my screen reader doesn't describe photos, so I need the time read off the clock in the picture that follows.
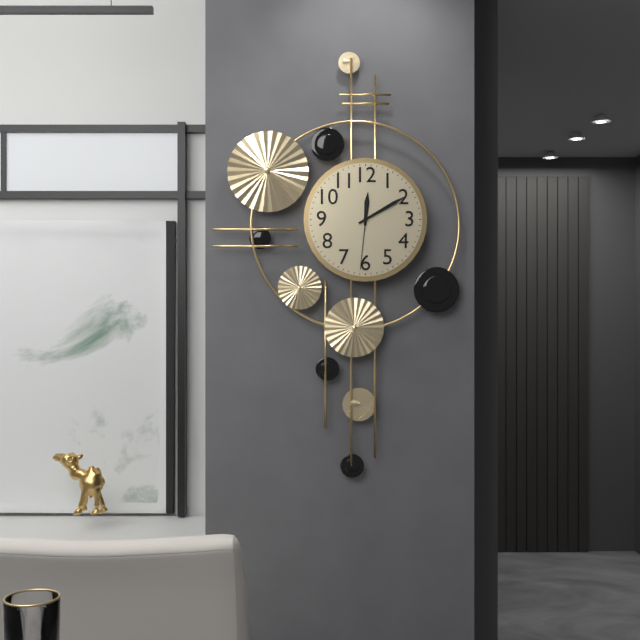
12:10:31
